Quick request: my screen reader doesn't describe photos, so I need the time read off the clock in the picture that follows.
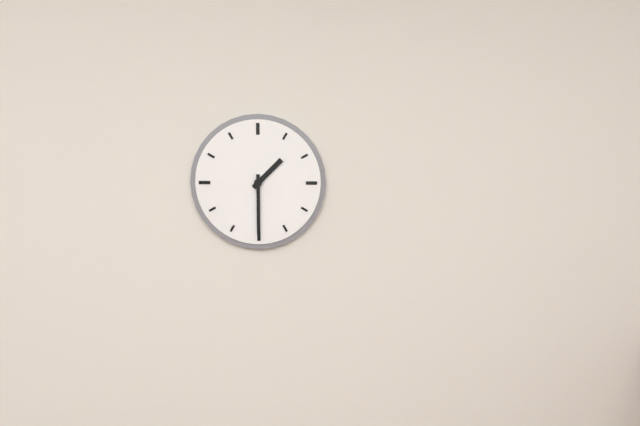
1:30
